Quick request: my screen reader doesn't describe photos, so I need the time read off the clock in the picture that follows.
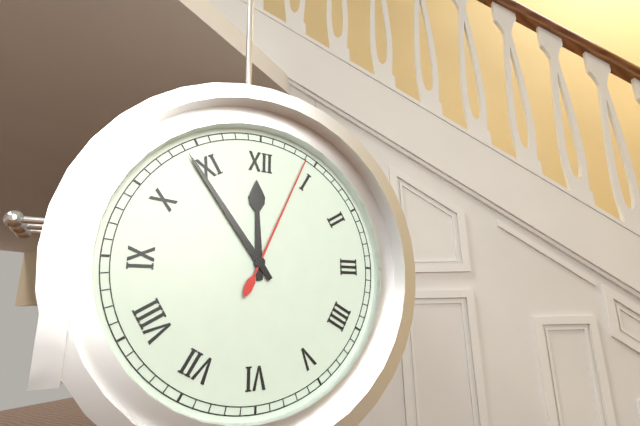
11:54:04
